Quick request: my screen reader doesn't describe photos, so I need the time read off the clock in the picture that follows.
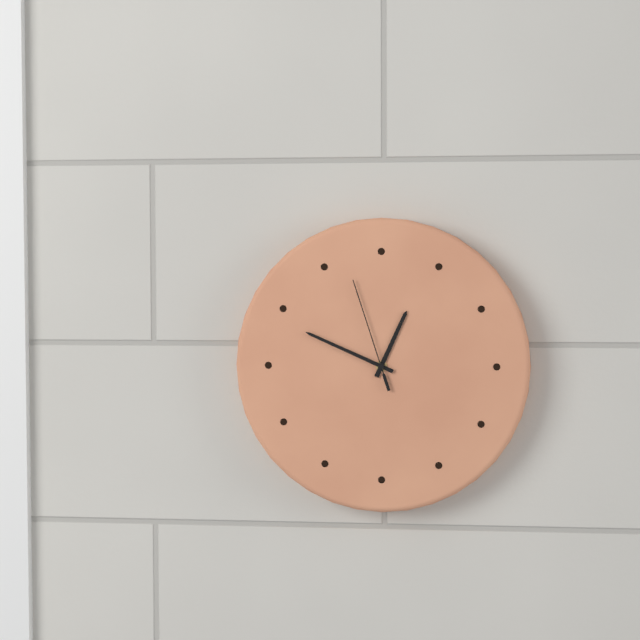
12:49:57
